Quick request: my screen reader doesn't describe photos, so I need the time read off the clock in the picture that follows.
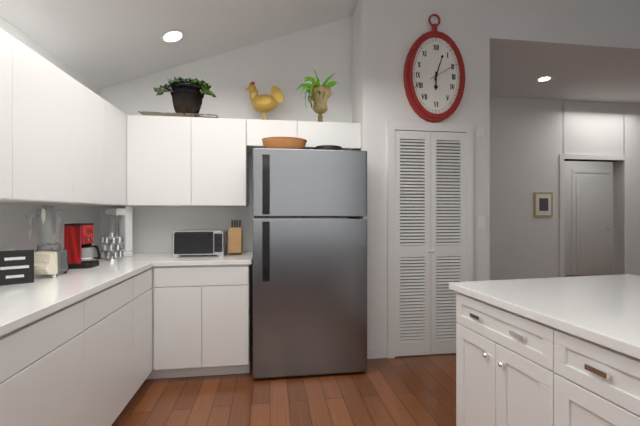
6:03
